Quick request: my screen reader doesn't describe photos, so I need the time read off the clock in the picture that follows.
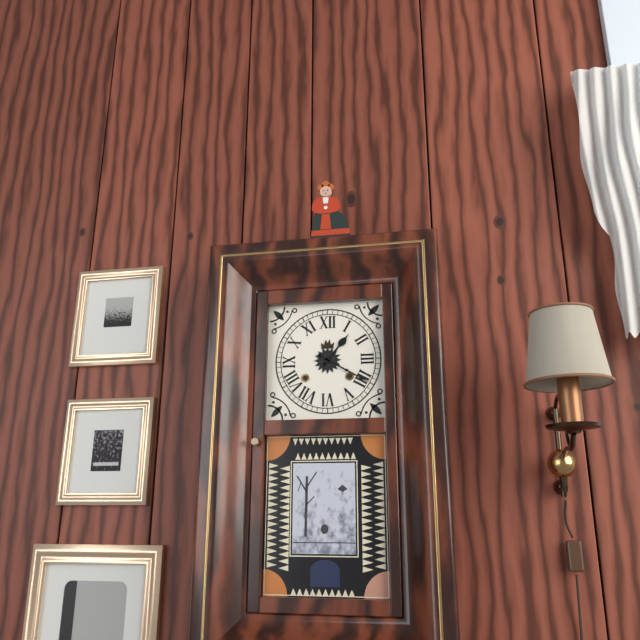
1:20
